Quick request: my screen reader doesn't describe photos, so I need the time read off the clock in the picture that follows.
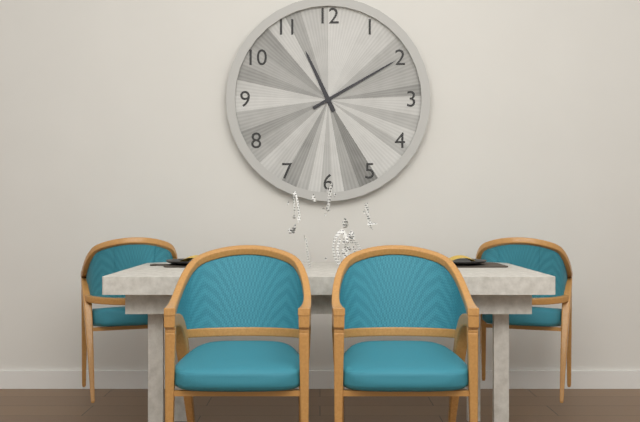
11:10
